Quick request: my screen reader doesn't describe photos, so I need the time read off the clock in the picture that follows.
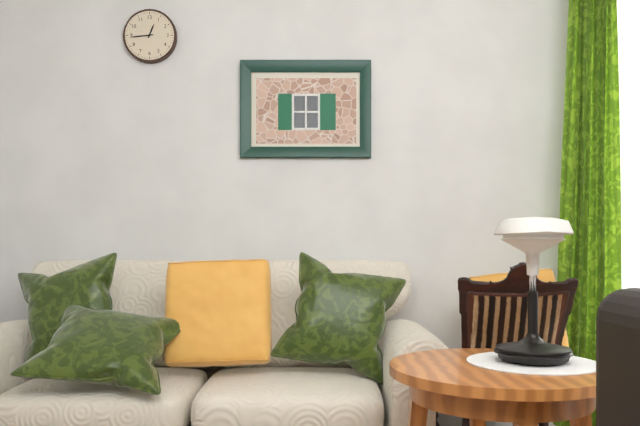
12:44
